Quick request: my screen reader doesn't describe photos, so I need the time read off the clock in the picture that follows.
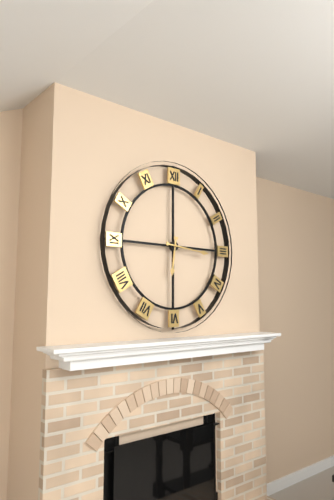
6:16
